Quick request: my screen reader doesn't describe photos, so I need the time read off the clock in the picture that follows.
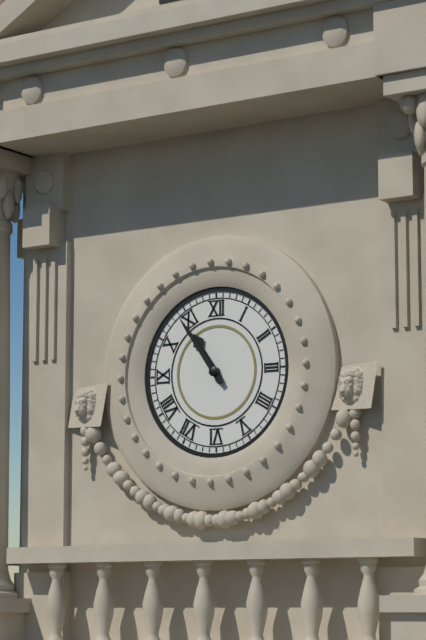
10:54
